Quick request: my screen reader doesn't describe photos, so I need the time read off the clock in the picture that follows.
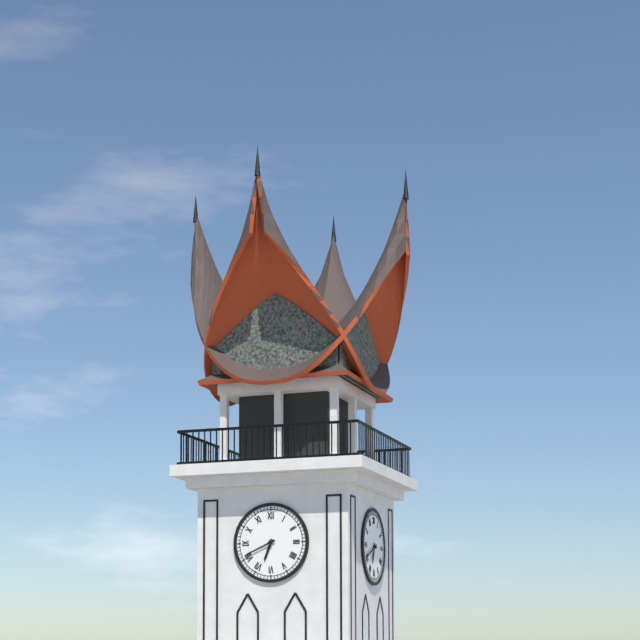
6:41
